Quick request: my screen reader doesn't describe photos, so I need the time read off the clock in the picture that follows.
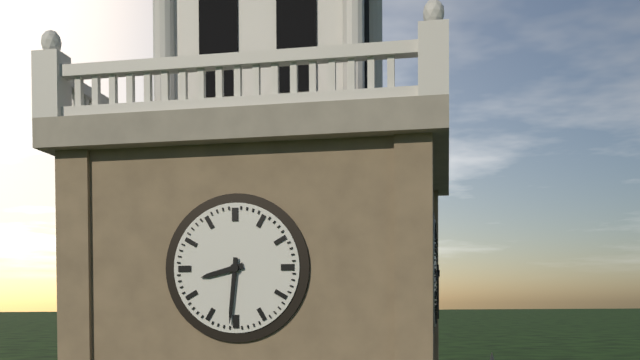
8:31
